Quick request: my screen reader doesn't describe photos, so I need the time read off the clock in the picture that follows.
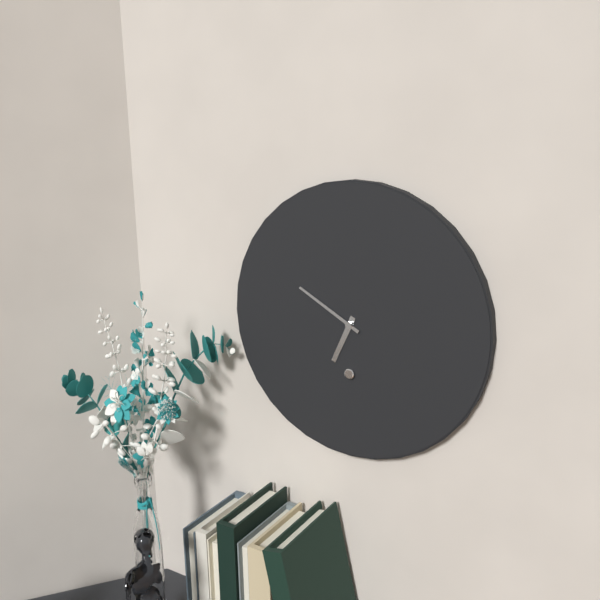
6:50
